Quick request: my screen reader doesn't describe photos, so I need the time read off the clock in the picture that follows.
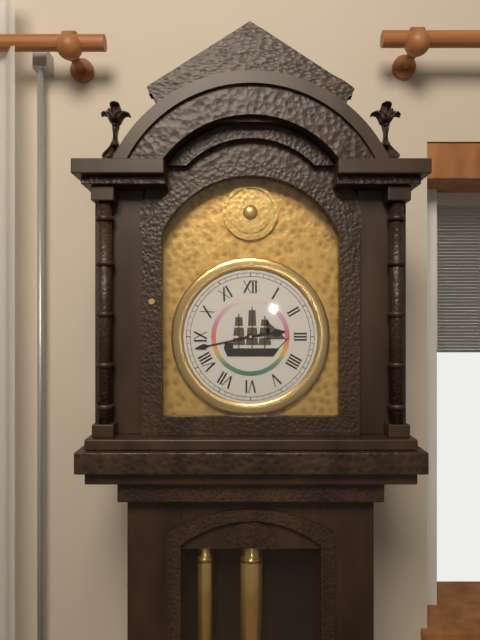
2:43
